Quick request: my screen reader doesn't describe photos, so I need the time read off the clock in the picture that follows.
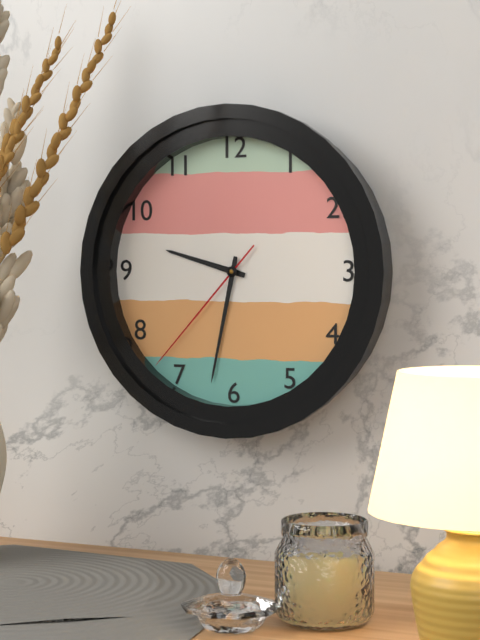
9:32:37
